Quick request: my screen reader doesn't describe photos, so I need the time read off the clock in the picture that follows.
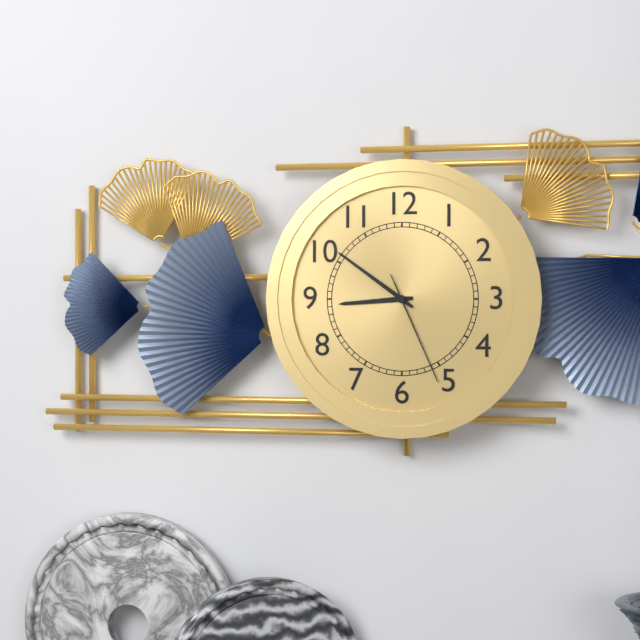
8:51:26
